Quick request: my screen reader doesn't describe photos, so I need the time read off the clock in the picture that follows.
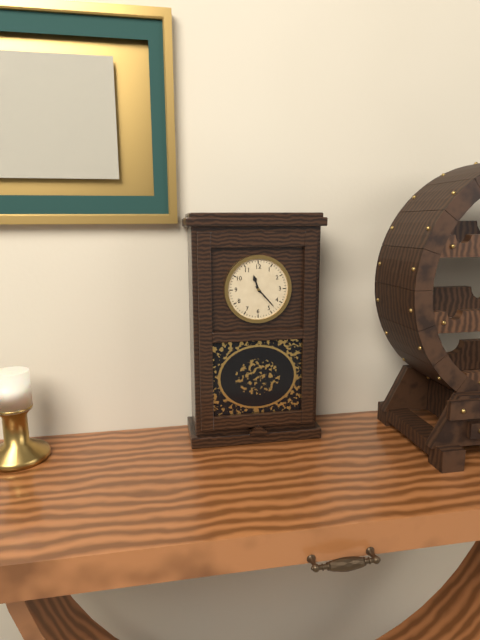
11:23
